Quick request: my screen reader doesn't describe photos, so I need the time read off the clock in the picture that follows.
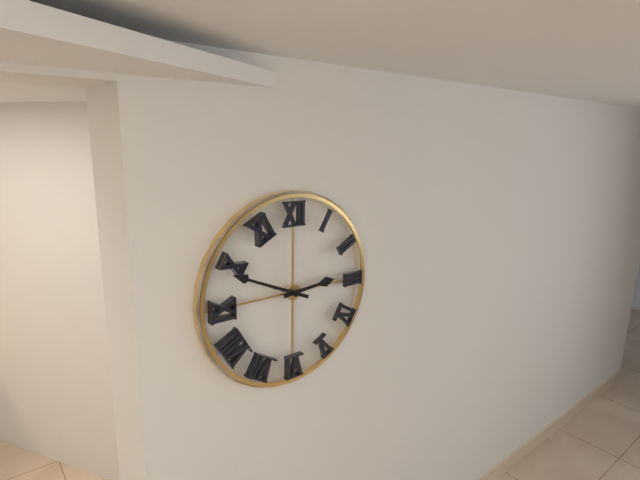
2:49
